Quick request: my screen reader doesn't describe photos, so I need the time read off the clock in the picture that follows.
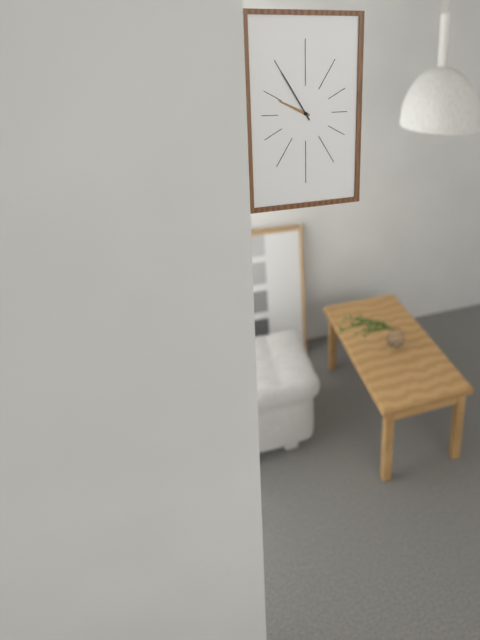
9:55
